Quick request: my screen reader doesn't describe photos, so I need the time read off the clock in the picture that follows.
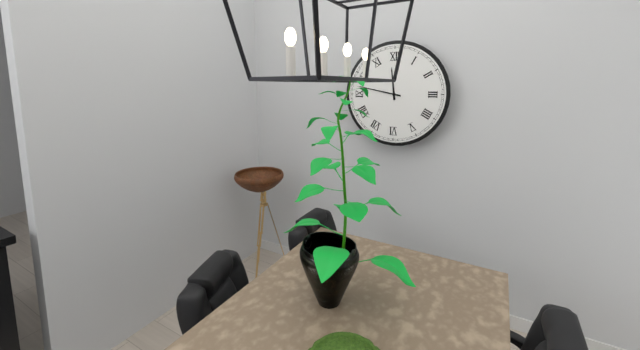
11:47
